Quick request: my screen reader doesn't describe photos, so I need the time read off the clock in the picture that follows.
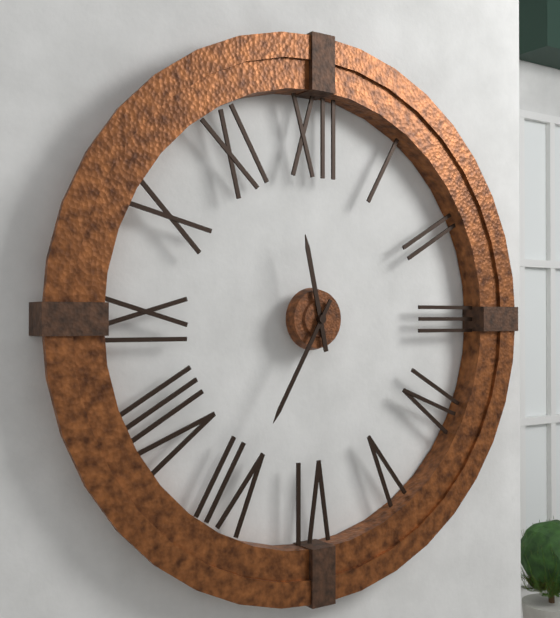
11:35
